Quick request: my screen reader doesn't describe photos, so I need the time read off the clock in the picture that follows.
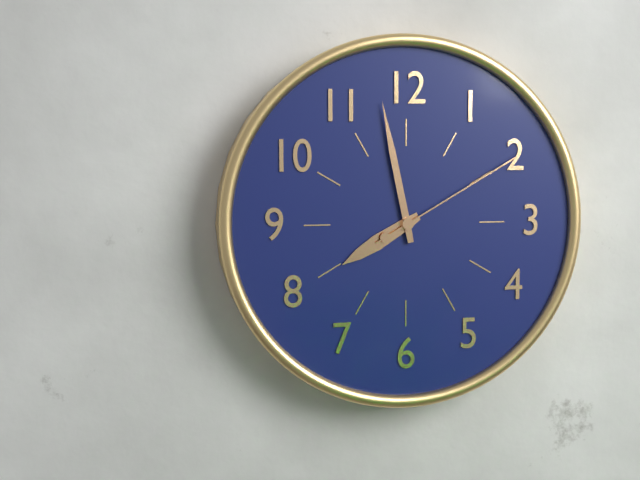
7:58:10
